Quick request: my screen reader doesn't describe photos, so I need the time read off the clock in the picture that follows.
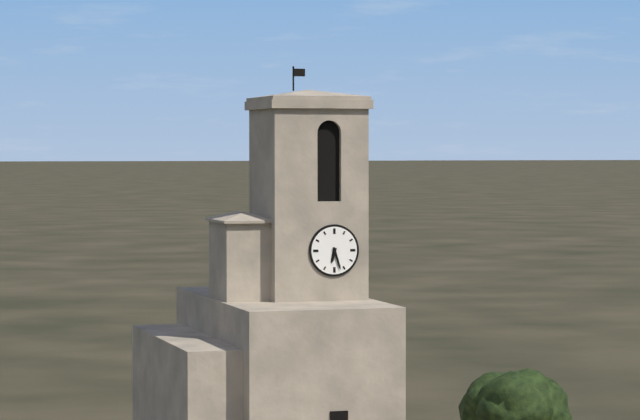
6:27
